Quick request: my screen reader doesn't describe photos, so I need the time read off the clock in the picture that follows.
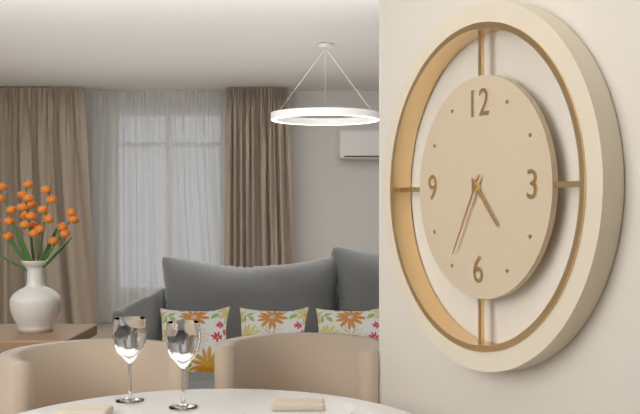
4:35
